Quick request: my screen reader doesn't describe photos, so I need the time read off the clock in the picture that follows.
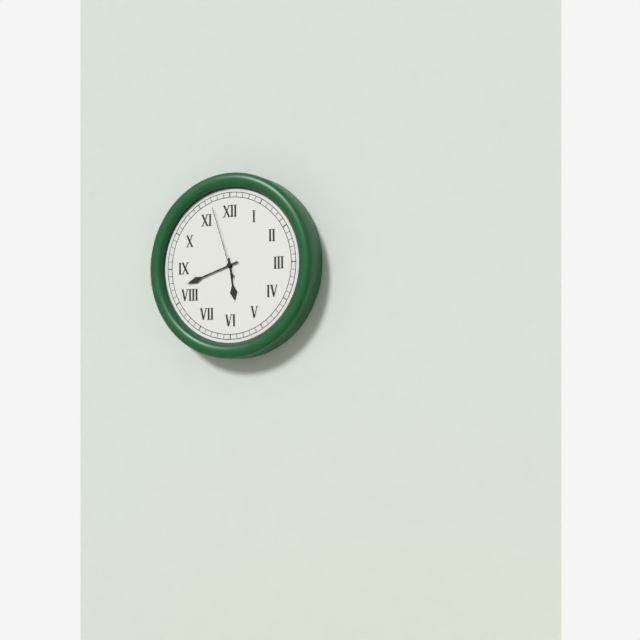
5:42:57
